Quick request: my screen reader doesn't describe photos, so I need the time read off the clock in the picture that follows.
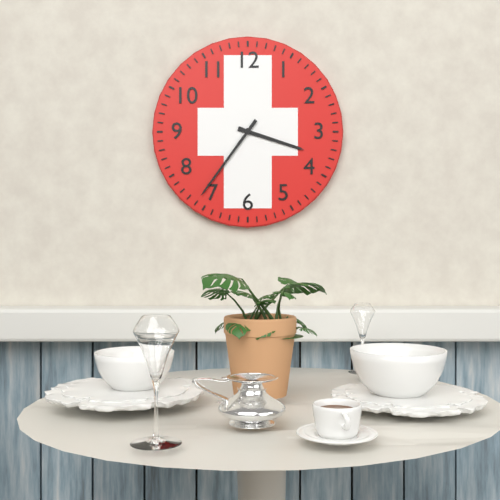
3:36
